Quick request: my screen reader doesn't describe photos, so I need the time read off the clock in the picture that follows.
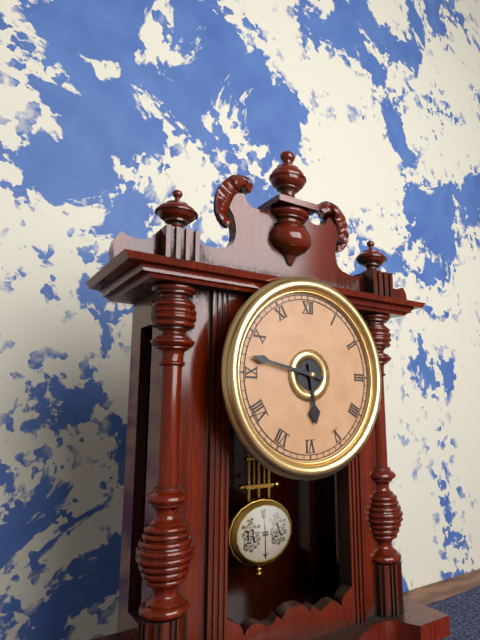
5:47
